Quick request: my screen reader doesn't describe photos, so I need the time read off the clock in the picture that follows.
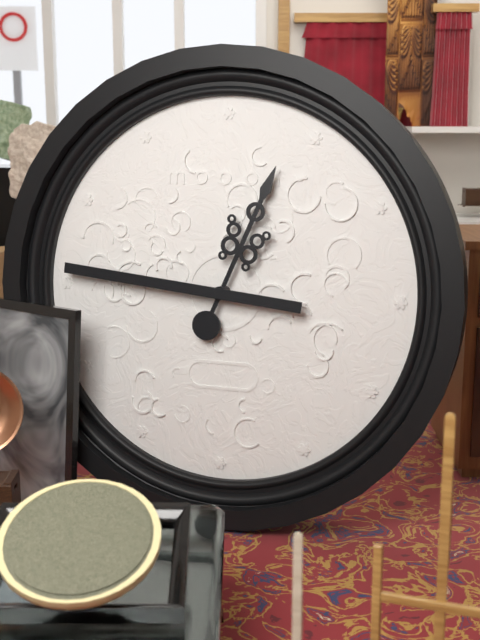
12:46
